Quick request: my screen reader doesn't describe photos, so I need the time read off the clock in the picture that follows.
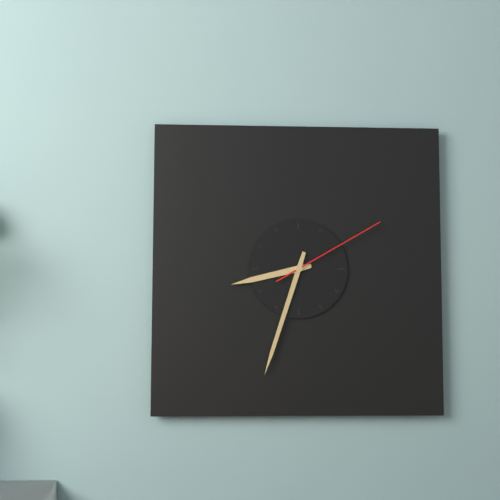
8:33:10
